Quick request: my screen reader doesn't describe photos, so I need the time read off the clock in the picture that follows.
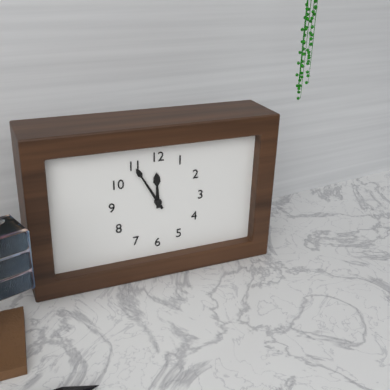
11:55
